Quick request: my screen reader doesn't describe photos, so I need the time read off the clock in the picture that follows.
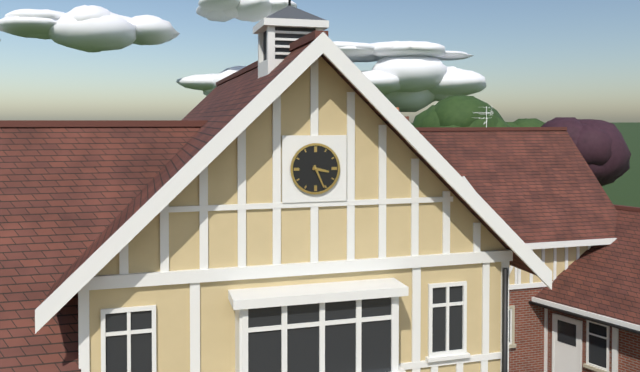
3:26
